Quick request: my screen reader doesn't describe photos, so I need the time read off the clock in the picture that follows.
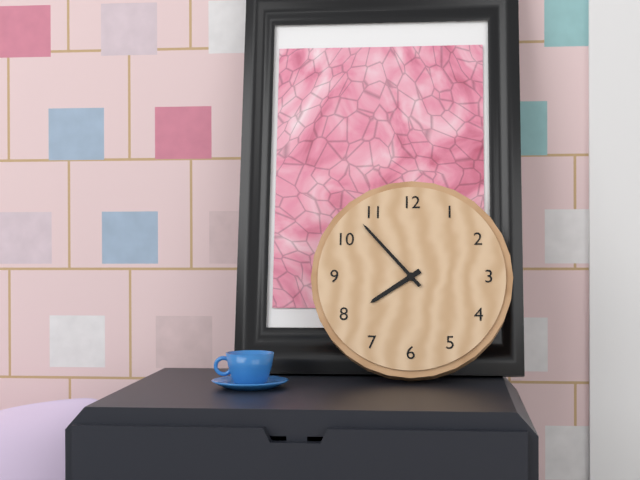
7:53
